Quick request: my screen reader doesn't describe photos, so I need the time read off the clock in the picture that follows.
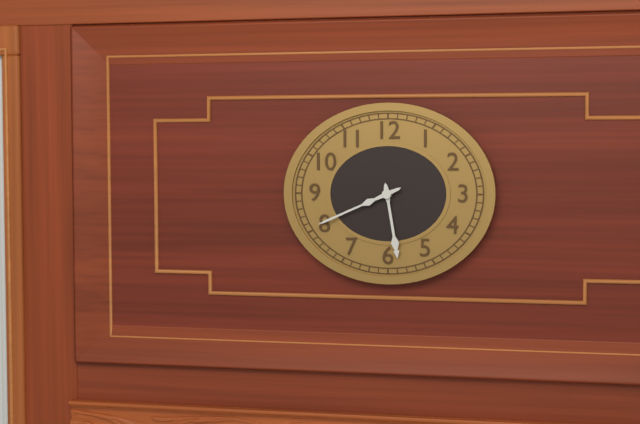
5:41
